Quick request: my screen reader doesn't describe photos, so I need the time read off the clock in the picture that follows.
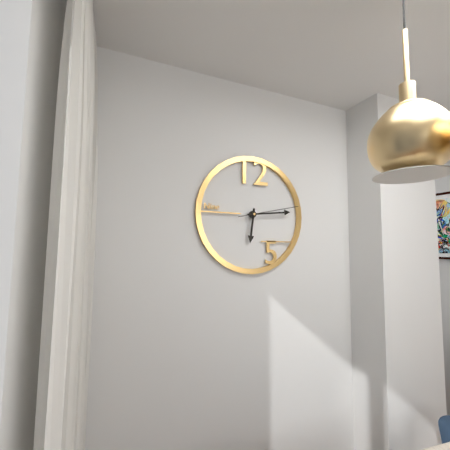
6:14:13
